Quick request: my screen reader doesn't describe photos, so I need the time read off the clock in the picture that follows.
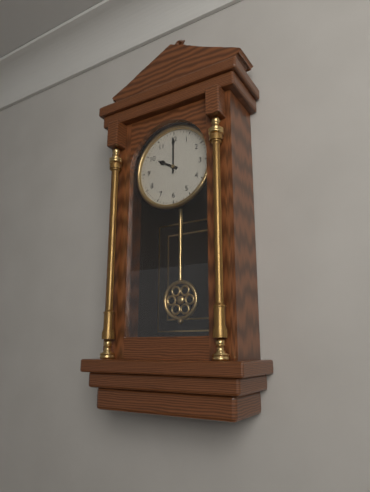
10:00
